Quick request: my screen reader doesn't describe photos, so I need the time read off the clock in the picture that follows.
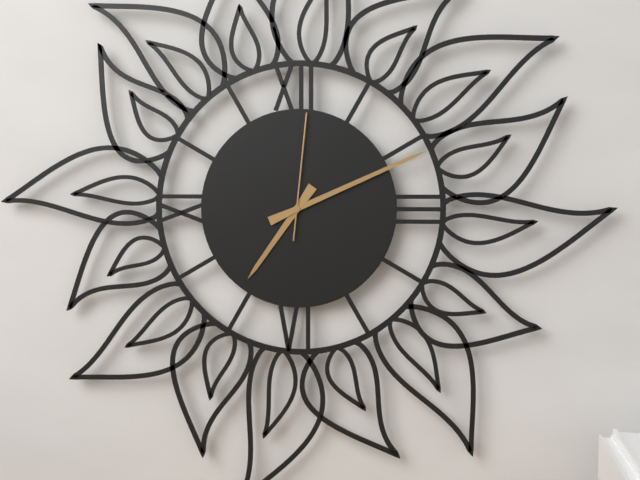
7:11:01
